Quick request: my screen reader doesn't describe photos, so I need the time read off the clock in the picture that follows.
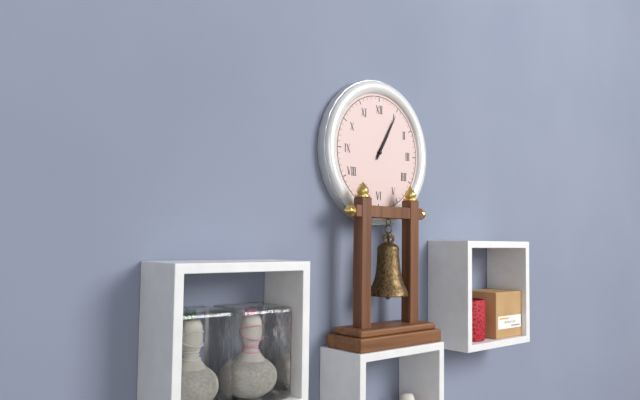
1:05
